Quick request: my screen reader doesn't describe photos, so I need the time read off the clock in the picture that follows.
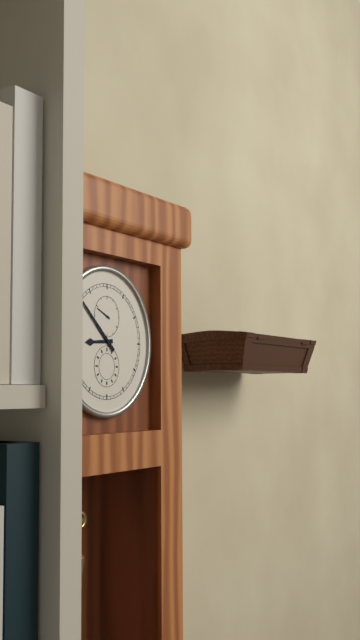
8:52
